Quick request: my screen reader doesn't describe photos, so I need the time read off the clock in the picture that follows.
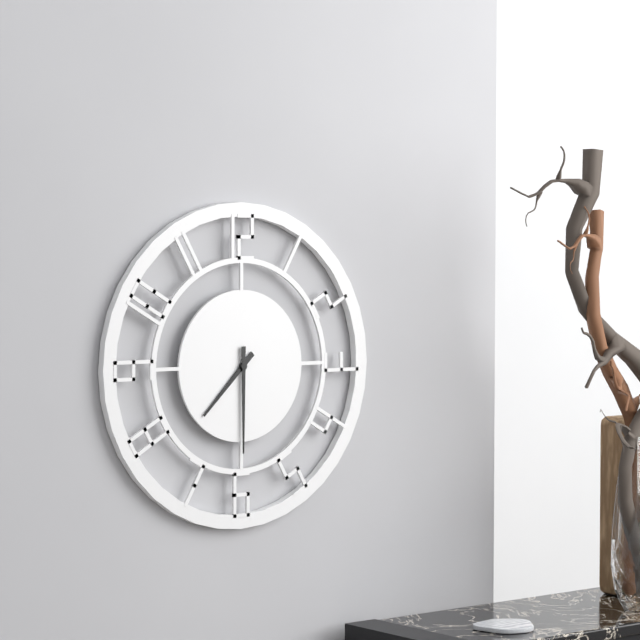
7:30
